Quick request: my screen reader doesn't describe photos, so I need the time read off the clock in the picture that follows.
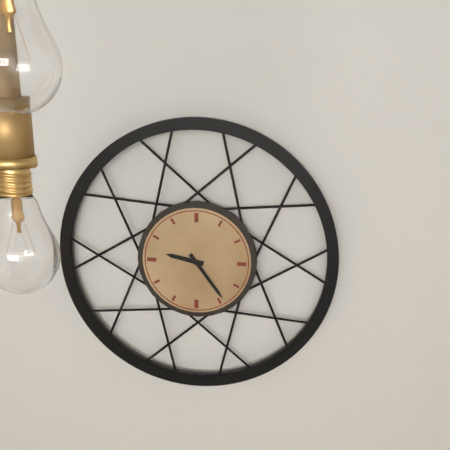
9:24
